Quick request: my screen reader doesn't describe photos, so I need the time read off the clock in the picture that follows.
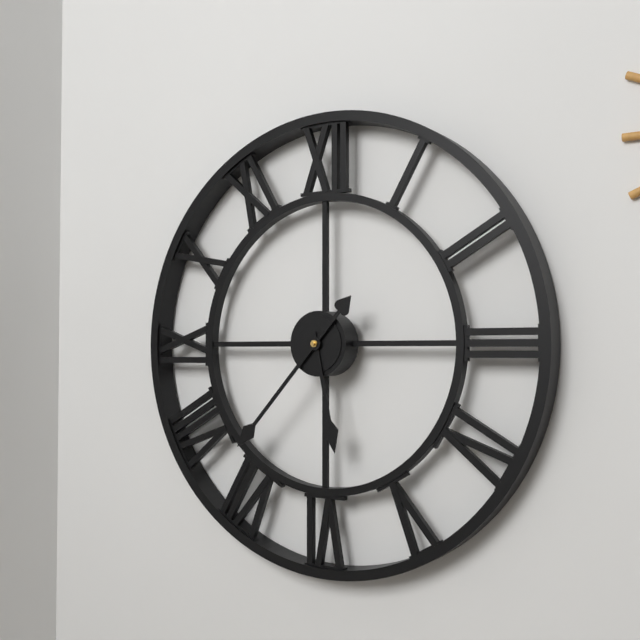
5:37
